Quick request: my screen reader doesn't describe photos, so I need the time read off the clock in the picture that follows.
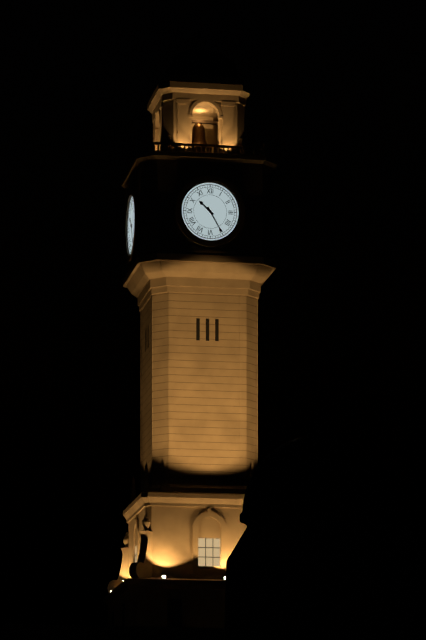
10:25
